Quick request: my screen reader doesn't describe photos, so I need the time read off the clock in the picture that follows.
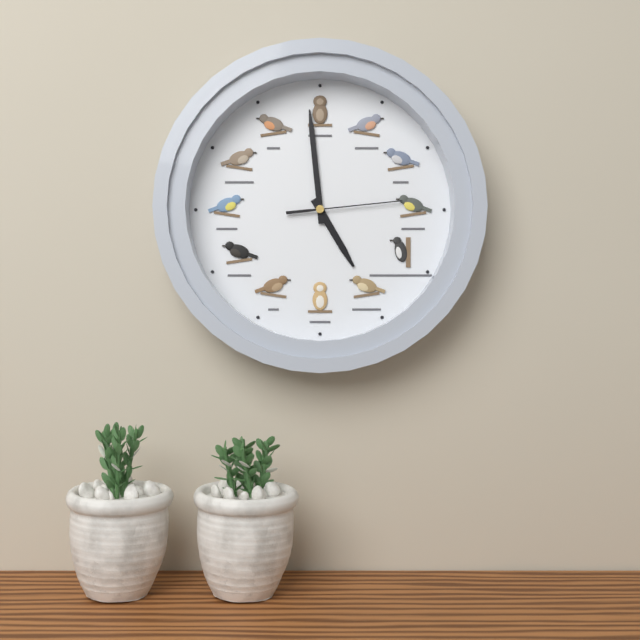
4:59:14
